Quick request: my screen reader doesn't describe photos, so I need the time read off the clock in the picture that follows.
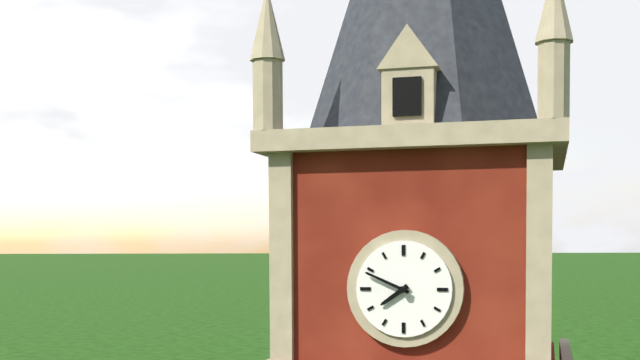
7:49
